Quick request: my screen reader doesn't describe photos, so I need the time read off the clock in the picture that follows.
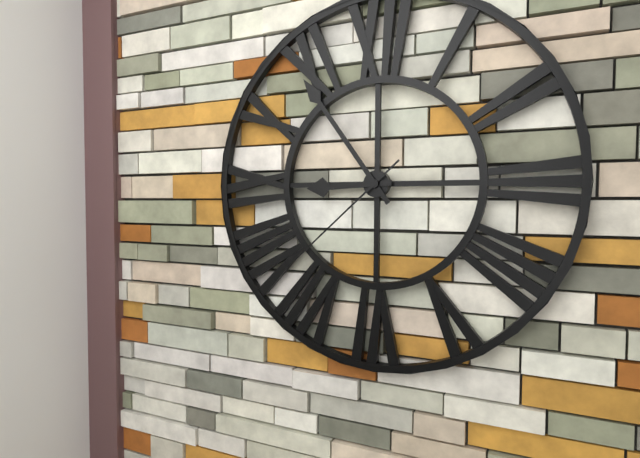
8:54:38
